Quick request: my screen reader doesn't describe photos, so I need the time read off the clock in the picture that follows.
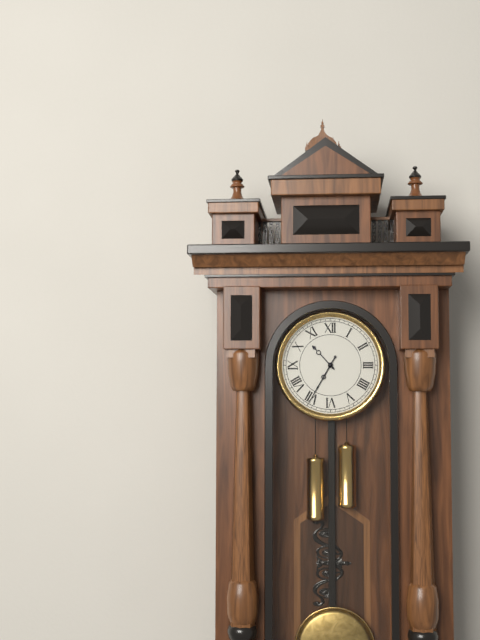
10:35
